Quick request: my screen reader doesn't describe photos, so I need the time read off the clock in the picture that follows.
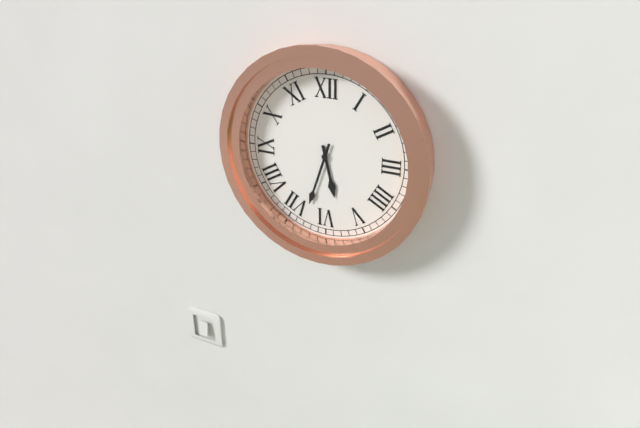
5:33
